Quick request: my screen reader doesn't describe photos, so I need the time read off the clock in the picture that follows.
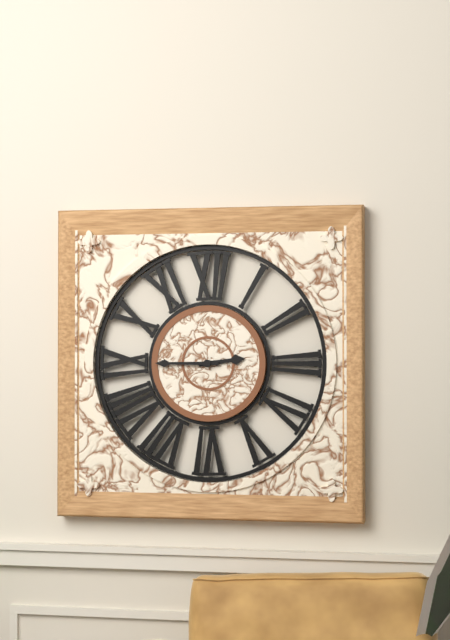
2:45
